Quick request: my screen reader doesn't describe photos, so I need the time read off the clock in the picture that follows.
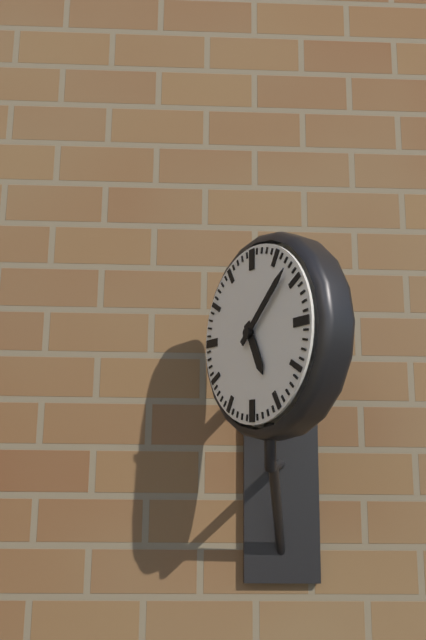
5:08
